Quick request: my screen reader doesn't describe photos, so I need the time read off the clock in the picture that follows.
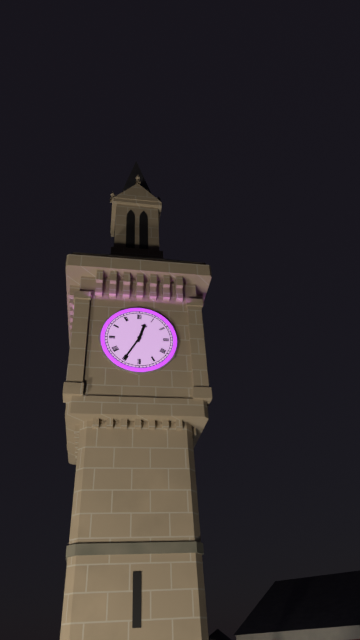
12:35
